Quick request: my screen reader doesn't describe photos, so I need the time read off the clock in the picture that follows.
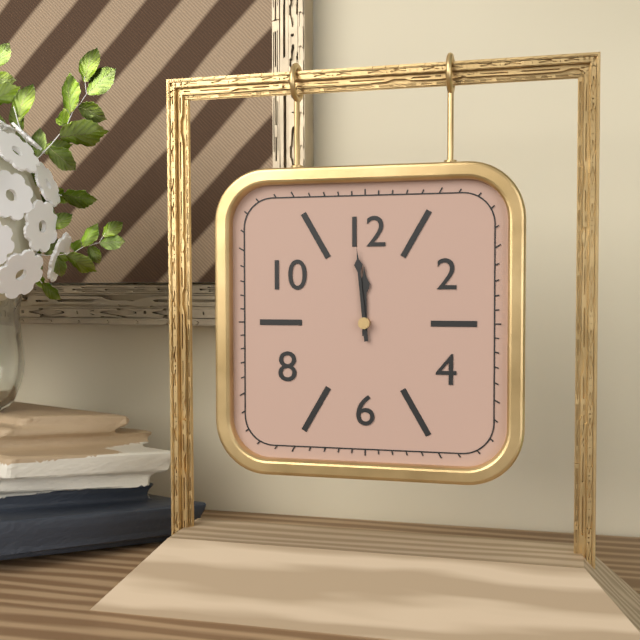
11:59
